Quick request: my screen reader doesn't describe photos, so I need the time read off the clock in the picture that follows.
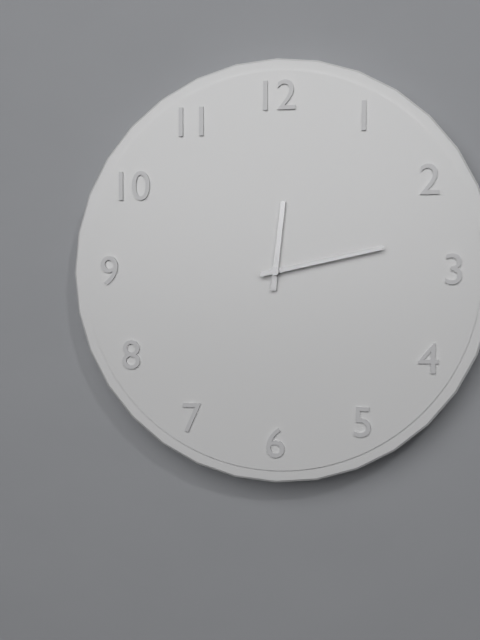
12:13
